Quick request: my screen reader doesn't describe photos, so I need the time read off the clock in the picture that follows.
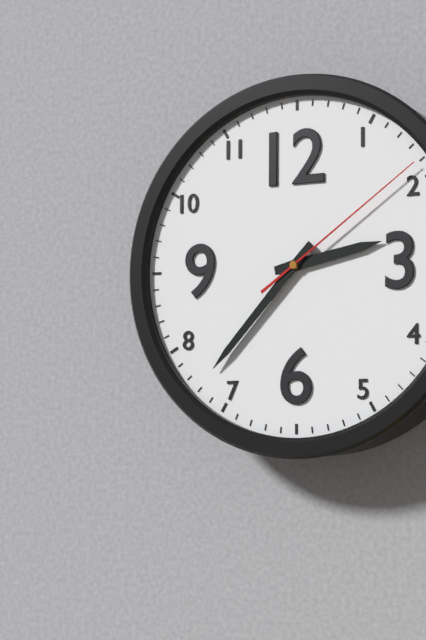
2:37:09
